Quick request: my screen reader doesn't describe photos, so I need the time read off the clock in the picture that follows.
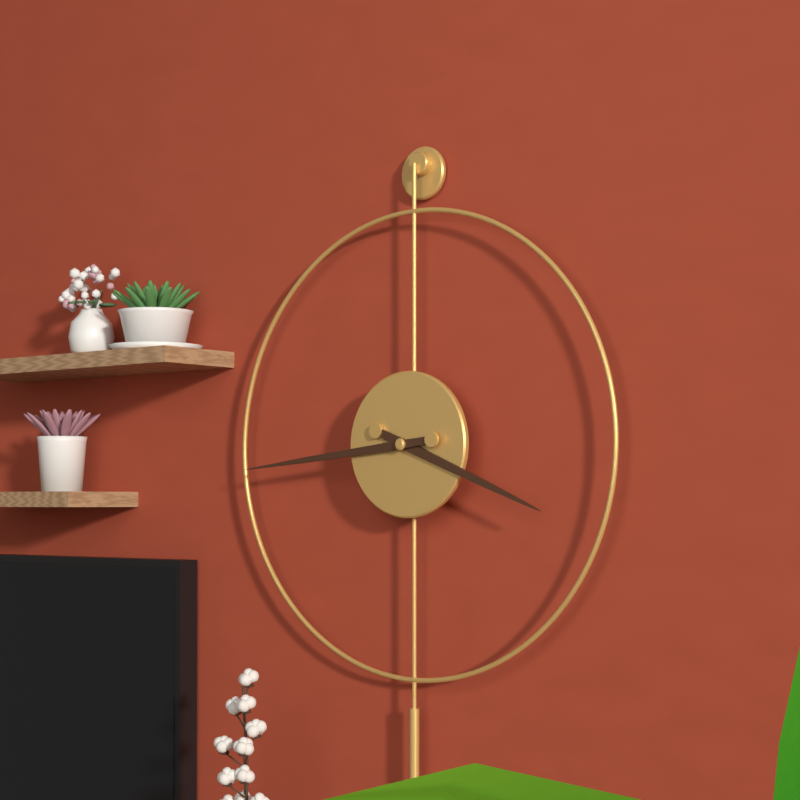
3:44
